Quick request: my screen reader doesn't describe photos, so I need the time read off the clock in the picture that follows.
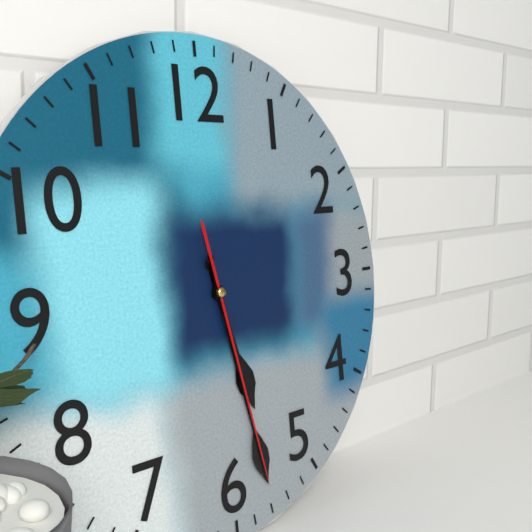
5:28:28
